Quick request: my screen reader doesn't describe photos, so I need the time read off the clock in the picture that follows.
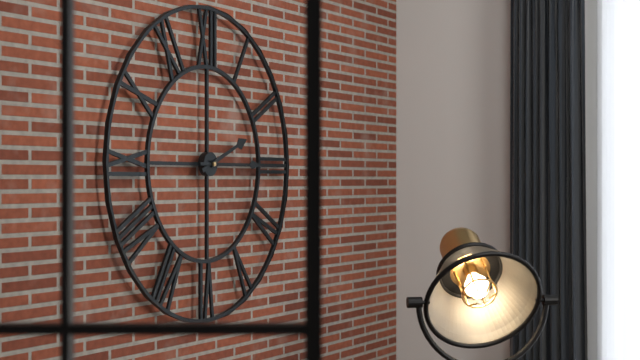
2:15
